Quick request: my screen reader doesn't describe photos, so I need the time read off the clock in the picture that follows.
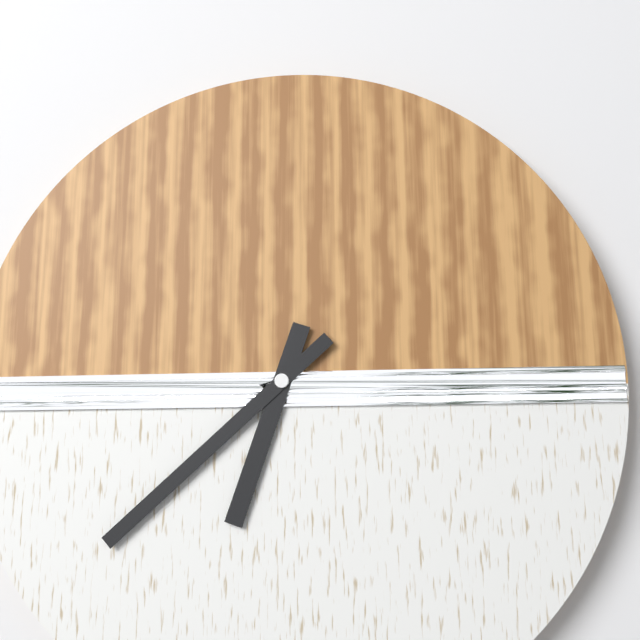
6:38
